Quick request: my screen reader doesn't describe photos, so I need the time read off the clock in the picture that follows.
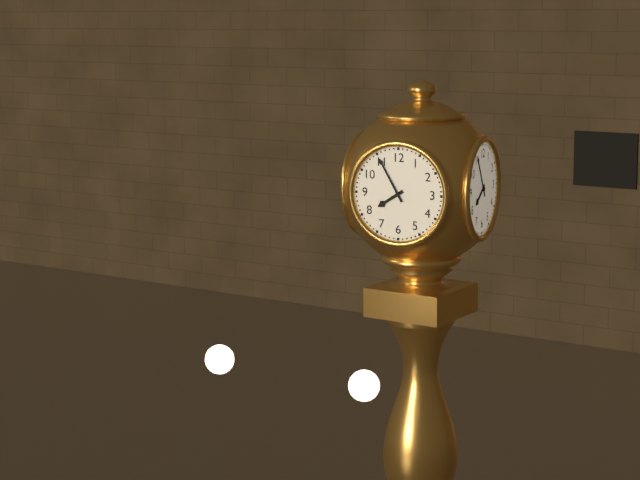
7:55
